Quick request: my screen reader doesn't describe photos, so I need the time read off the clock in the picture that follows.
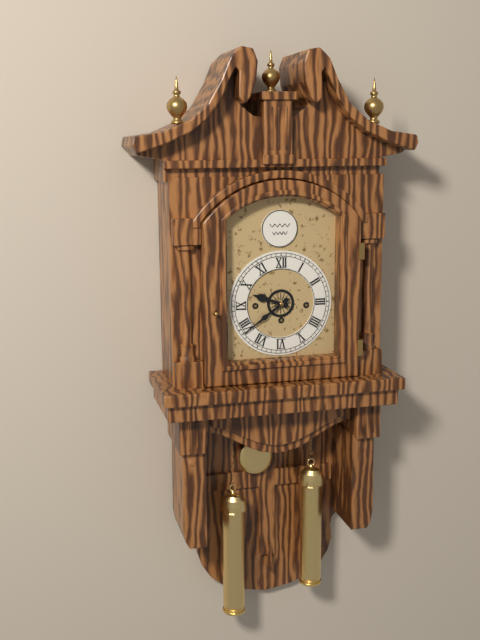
9:39
